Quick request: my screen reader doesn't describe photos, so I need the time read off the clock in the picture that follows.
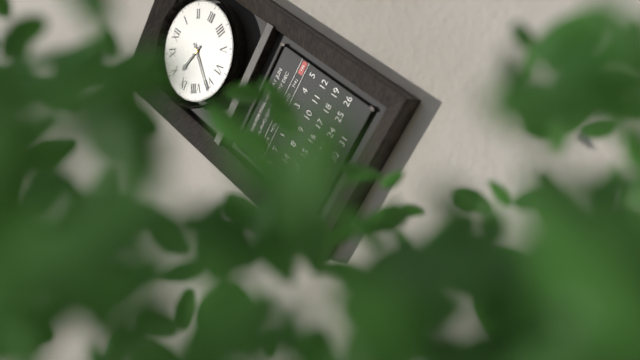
9:36
